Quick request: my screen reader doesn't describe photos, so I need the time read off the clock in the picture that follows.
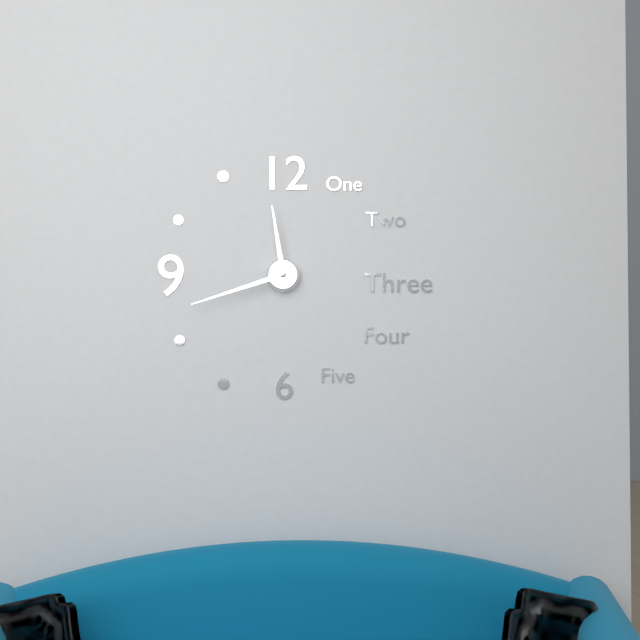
11:42
